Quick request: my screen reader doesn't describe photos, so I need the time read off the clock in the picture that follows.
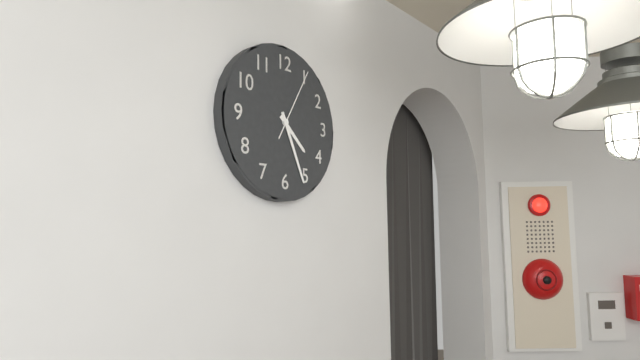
4:26:05
